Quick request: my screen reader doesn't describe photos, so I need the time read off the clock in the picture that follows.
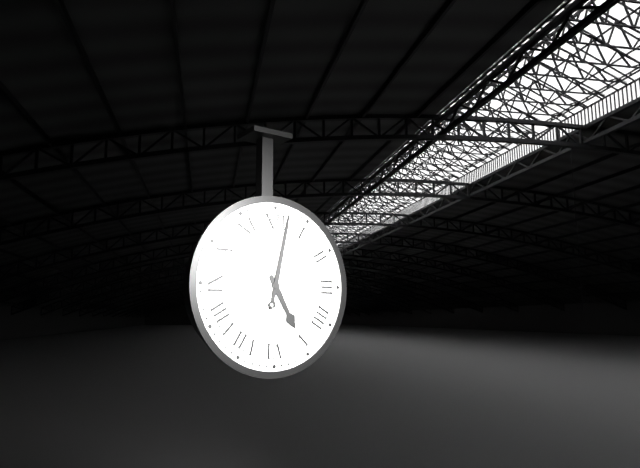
5:02
